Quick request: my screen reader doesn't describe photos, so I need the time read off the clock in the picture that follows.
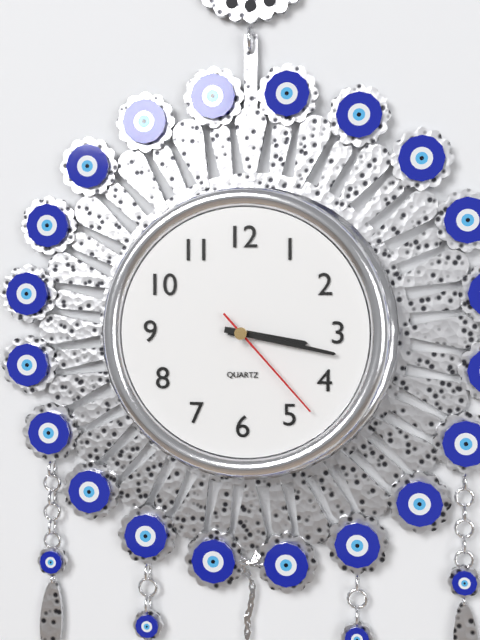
3:17:23
